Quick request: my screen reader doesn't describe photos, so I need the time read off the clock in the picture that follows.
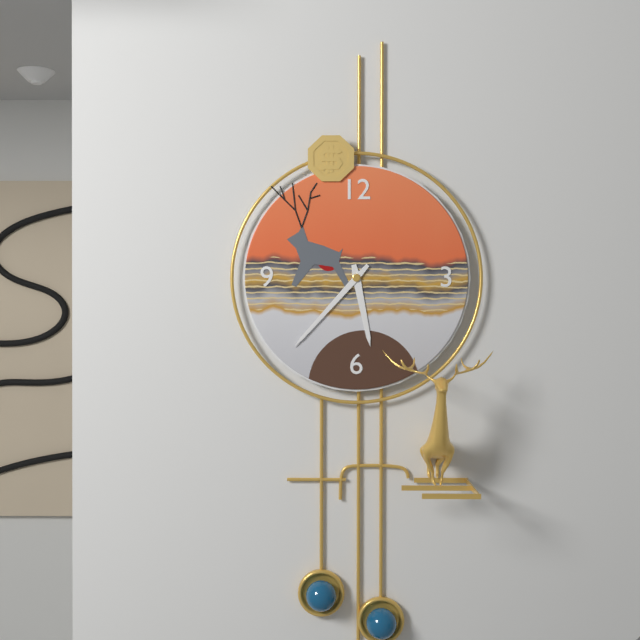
5:37
